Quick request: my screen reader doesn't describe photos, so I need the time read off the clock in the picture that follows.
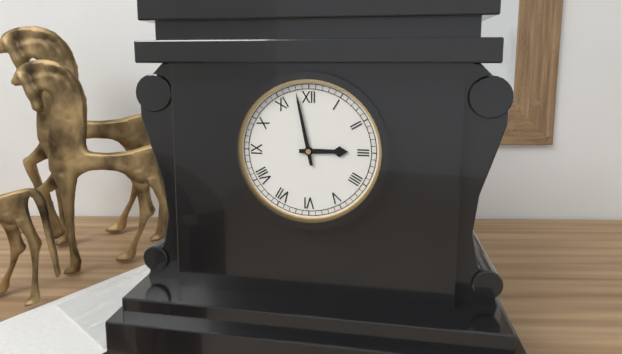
2:58
